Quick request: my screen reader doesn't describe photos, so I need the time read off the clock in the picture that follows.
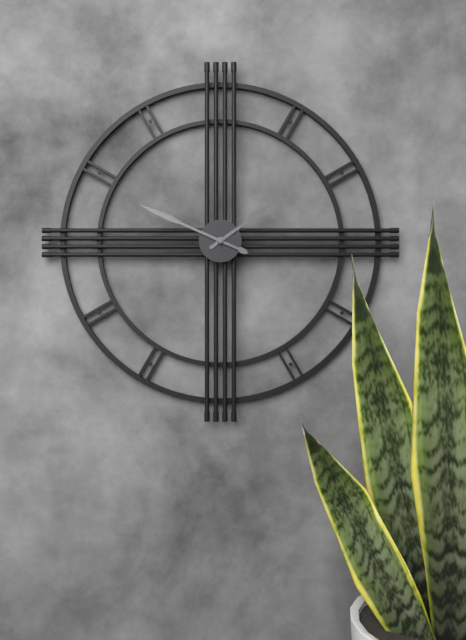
1:49
